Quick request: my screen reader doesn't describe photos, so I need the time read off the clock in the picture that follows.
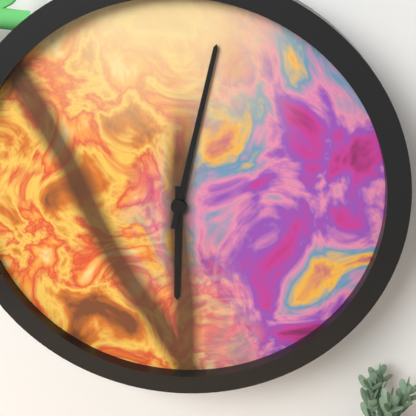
6:02
